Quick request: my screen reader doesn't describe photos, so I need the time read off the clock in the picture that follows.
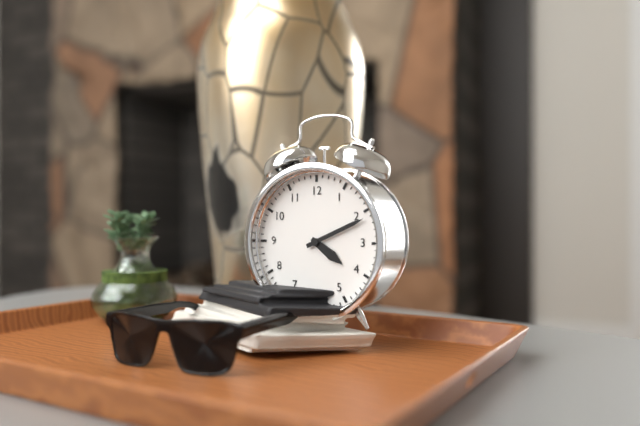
4:11
